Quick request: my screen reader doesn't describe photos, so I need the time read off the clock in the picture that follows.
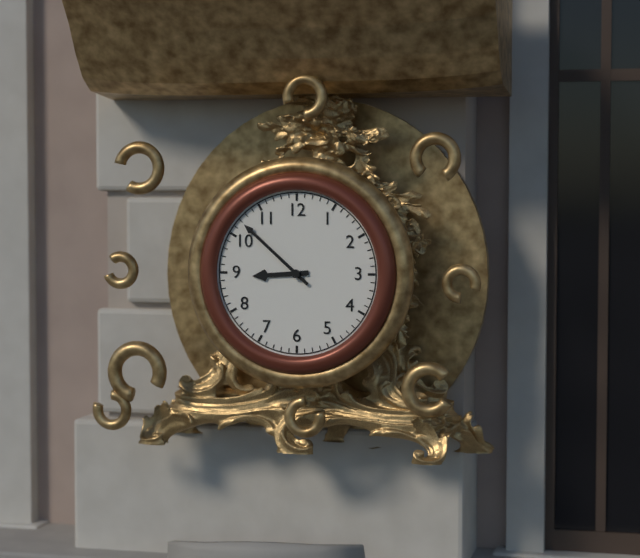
8:52
